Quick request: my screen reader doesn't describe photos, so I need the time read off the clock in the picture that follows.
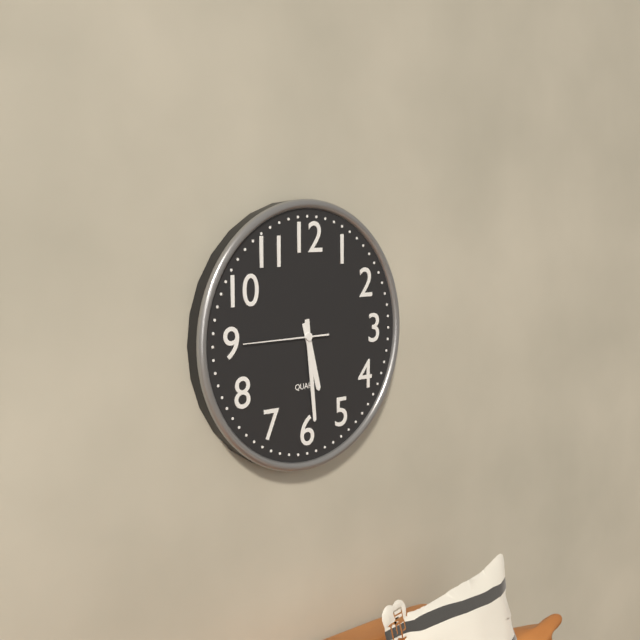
5:29:45
